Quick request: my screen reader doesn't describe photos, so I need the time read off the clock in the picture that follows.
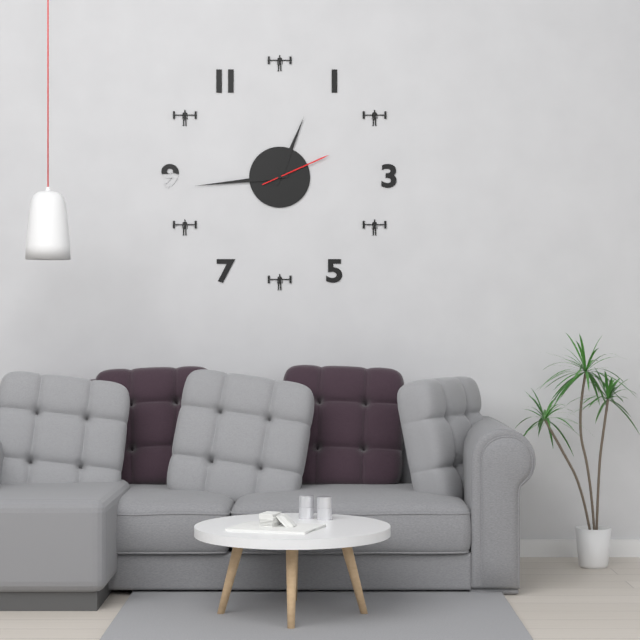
12:44:11
